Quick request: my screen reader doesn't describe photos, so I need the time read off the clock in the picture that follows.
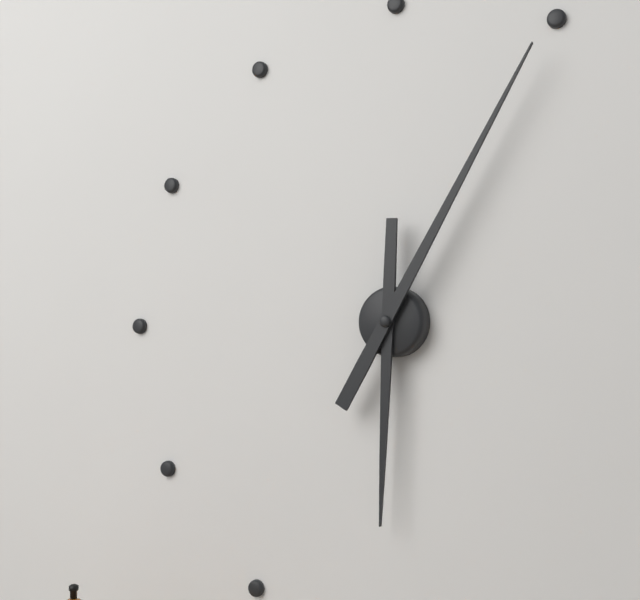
6:05
